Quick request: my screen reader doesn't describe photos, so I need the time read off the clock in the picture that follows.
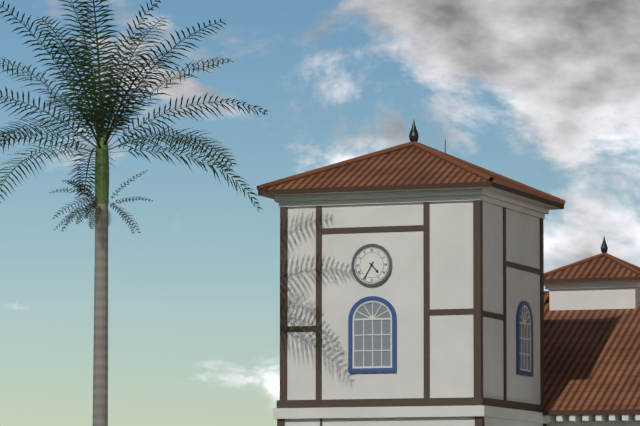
4:35
